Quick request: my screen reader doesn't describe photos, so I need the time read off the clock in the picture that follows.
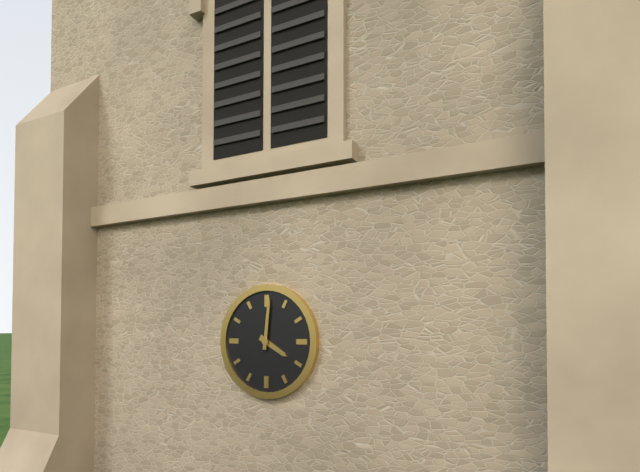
4:01
